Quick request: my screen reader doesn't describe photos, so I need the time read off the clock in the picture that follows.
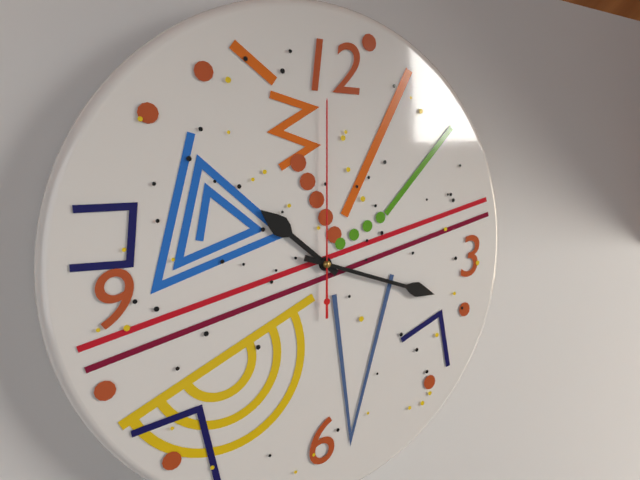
10:18:00
